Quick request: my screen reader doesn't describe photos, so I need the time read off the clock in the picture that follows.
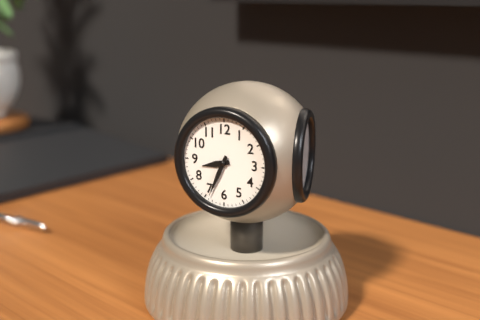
8:34
